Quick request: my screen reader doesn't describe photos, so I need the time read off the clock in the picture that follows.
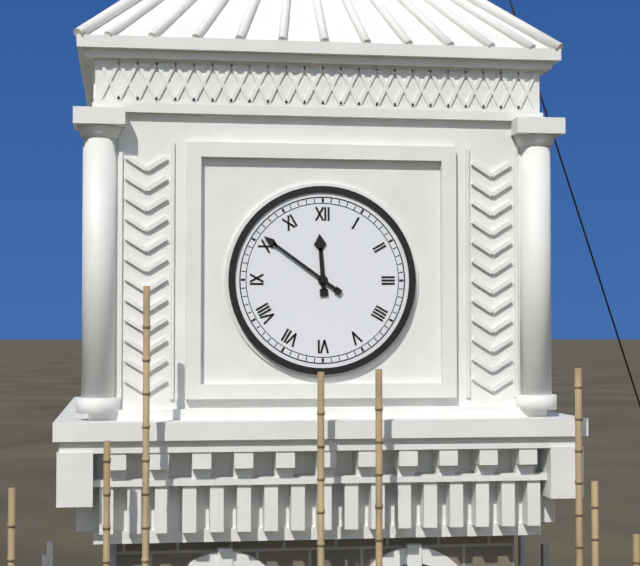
11:51
